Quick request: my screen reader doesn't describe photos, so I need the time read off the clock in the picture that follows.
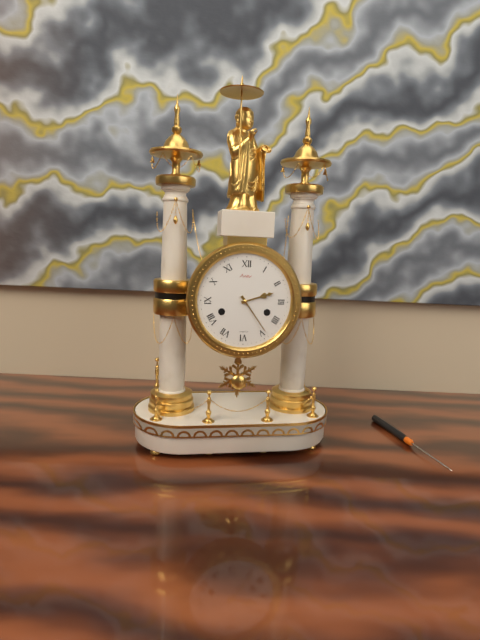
2:24
